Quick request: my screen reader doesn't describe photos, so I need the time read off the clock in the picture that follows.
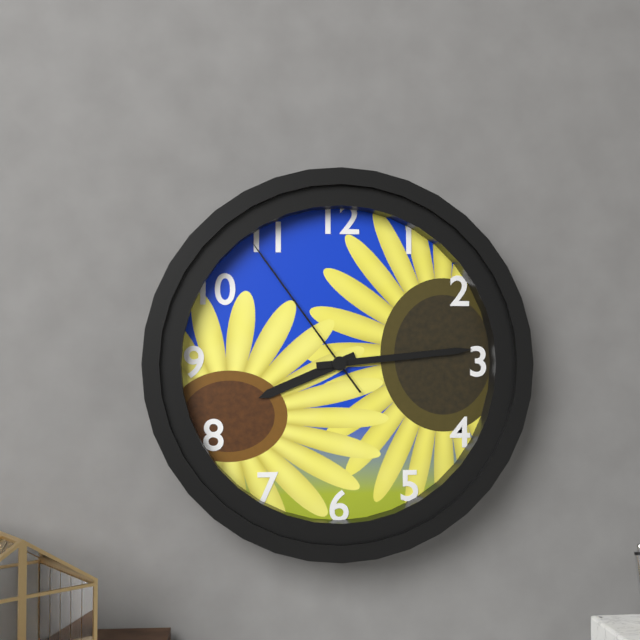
8:14:54
